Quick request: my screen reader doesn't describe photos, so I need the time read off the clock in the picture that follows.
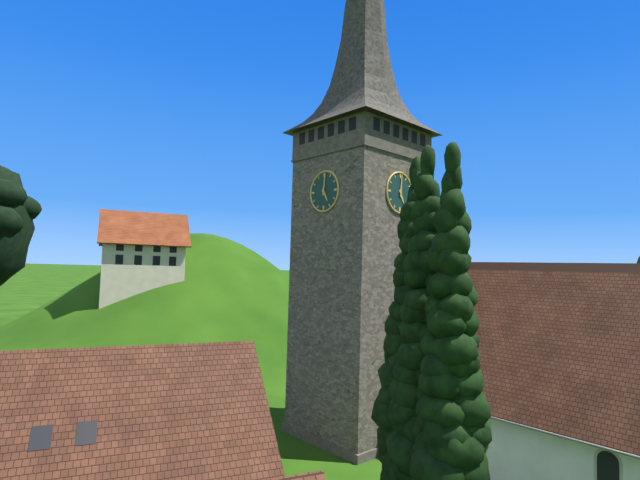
5:01
